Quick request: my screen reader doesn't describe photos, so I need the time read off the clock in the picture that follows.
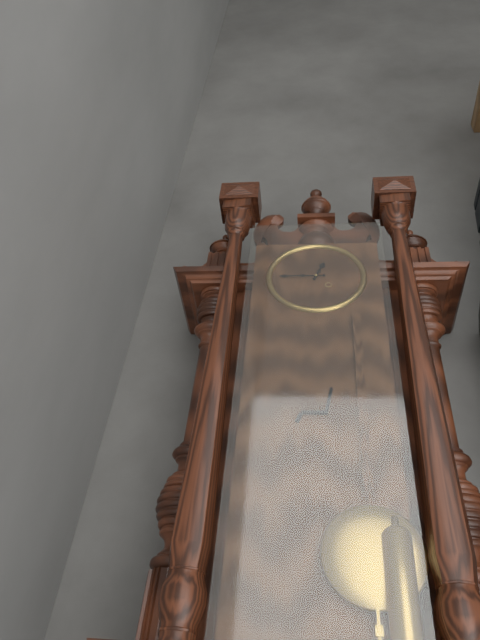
12:45
